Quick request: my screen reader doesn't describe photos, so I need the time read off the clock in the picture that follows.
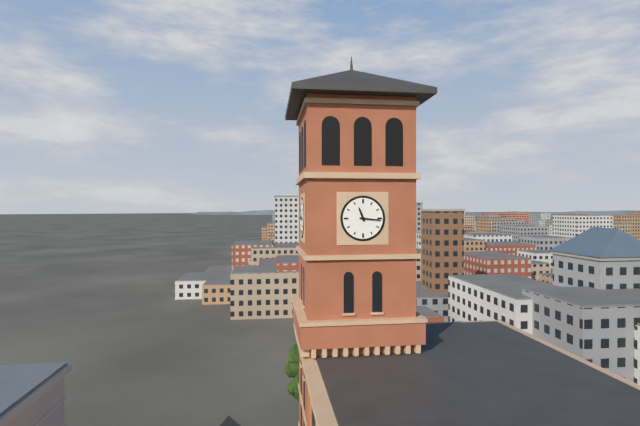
11:16
